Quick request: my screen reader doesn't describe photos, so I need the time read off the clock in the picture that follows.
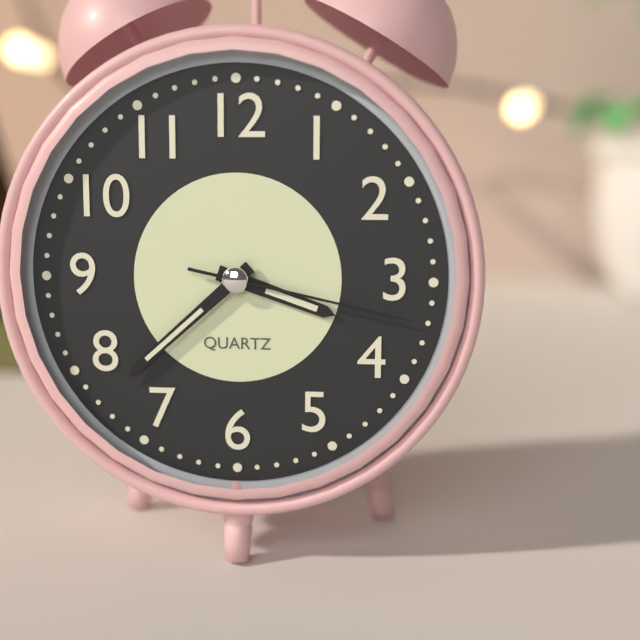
3:38:17
